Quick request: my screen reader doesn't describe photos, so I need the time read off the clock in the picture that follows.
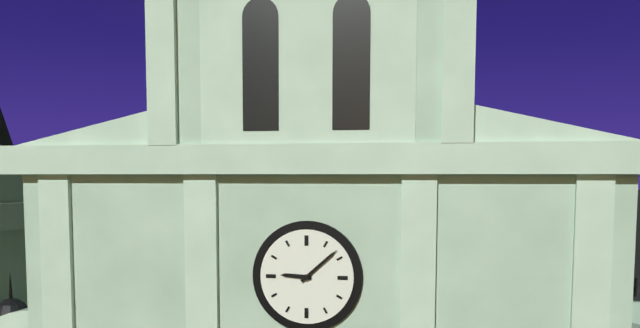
9:08
